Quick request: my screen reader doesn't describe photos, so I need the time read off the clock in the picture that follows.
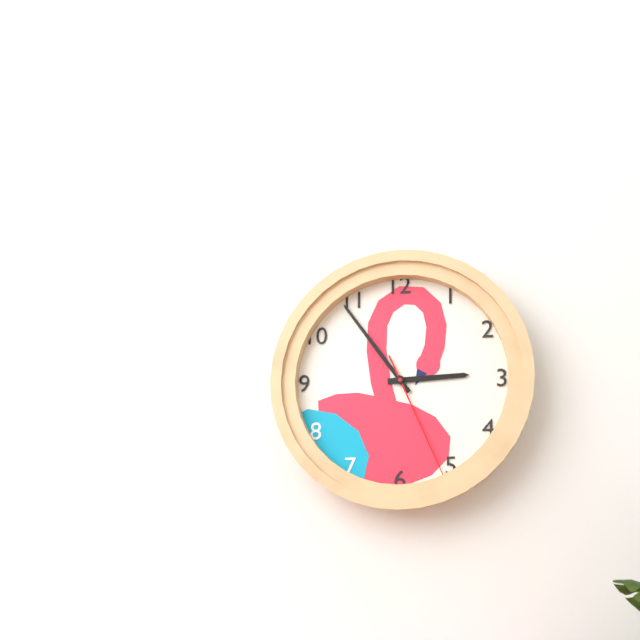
2:54:26
